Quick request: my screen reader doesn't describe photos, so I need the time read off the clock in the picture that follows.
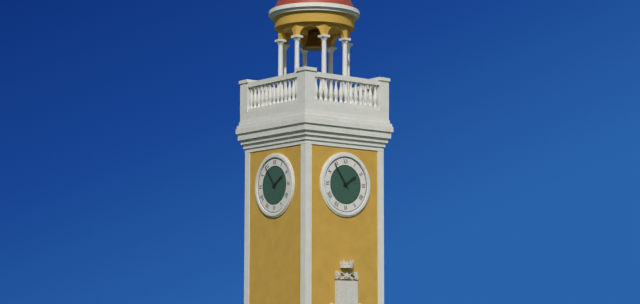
1:54
